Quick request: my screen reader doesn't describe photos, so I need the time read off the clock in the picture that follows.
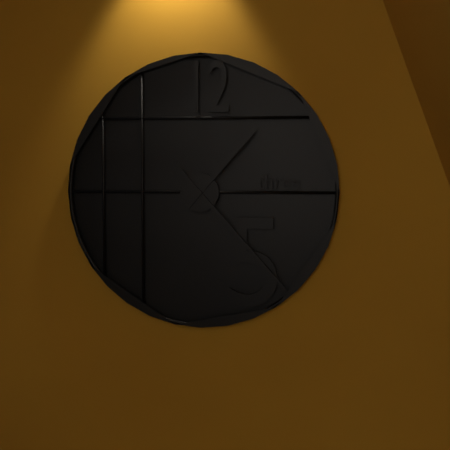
1:23
